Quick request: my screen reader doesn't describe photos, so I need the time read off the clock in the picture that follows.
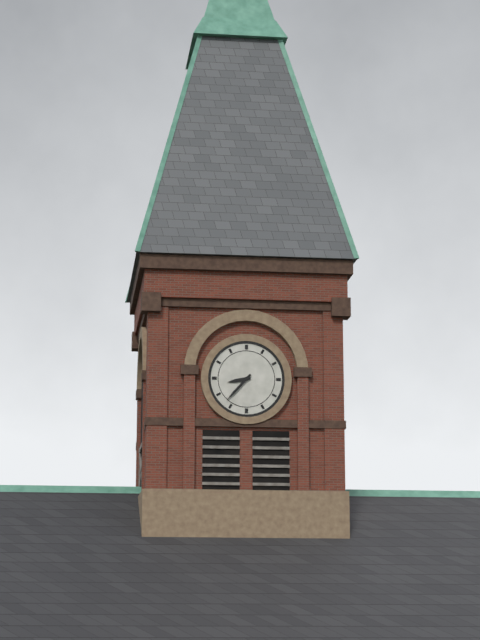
8:37
